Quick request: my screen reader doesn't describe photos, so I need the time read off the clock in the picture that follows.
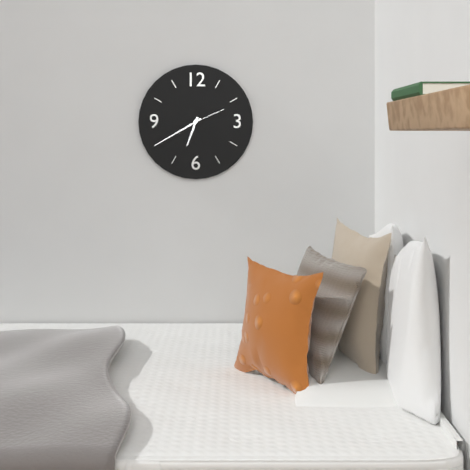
6:40
